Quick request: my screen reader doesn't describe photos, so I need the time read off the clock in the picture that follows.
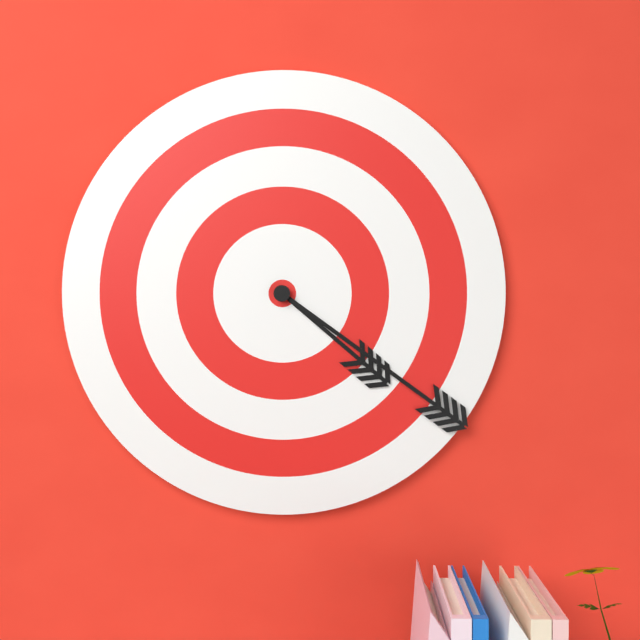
4:21
